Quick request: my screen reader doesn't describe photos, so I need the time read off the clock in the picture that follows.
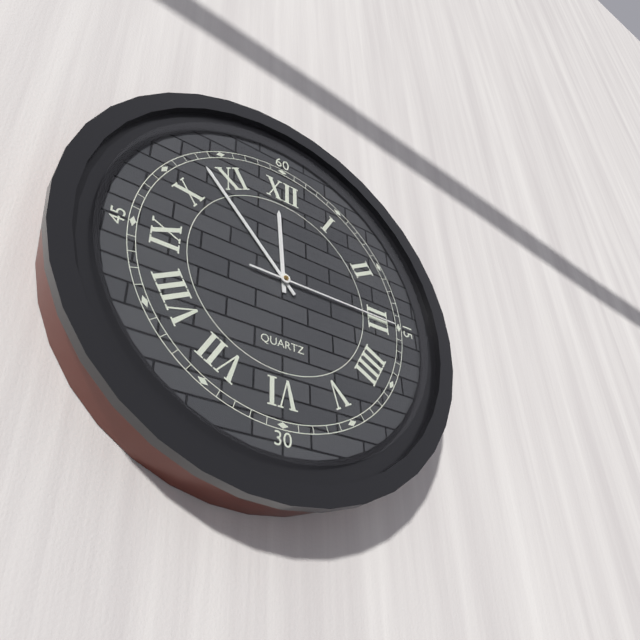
11:53:15
